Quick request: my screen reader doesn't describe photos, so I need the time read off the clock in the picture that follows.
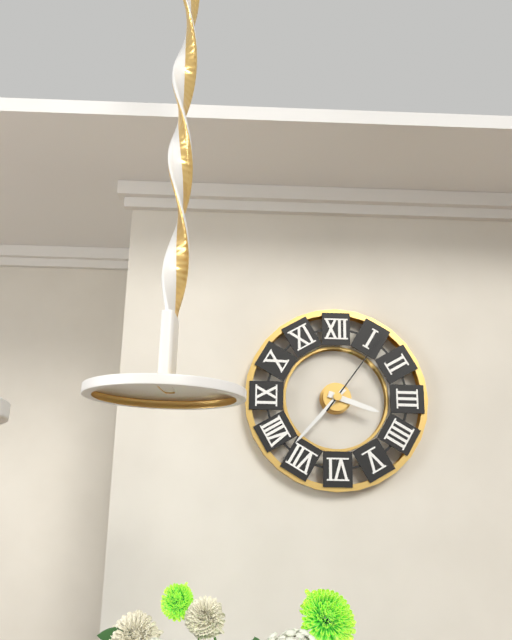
3:37:06
